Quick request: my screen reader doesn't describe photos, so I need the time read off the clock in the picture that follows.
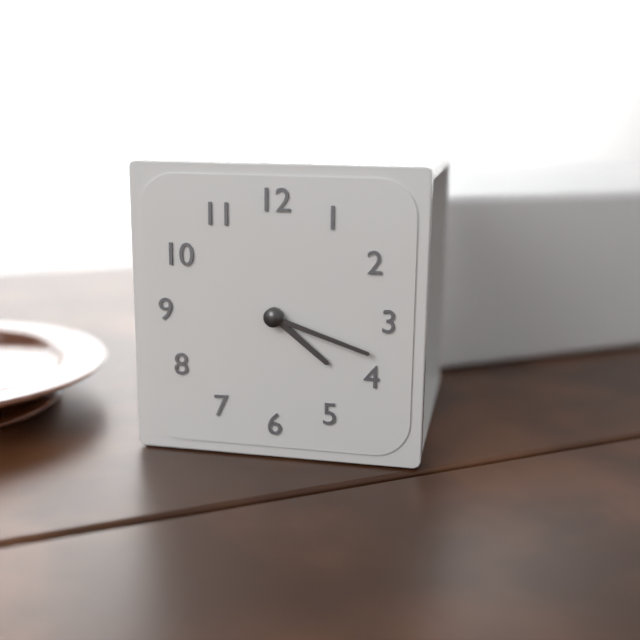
4:18
